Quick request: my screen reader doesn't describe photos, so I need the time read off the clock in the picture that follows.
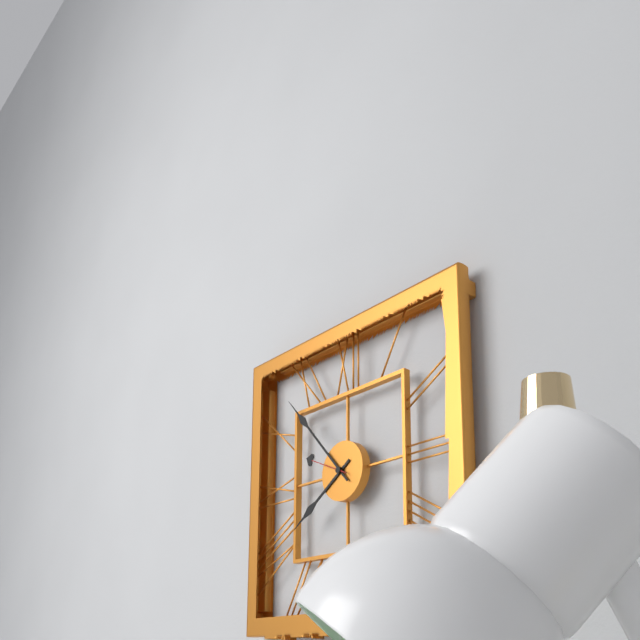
7:53
